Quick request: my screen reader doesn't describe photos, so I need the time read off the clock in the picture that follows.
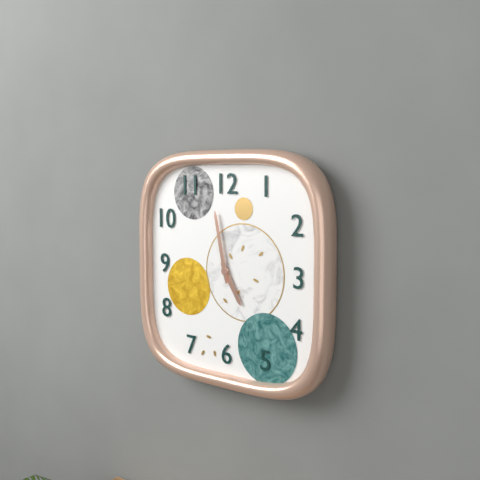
4:58
